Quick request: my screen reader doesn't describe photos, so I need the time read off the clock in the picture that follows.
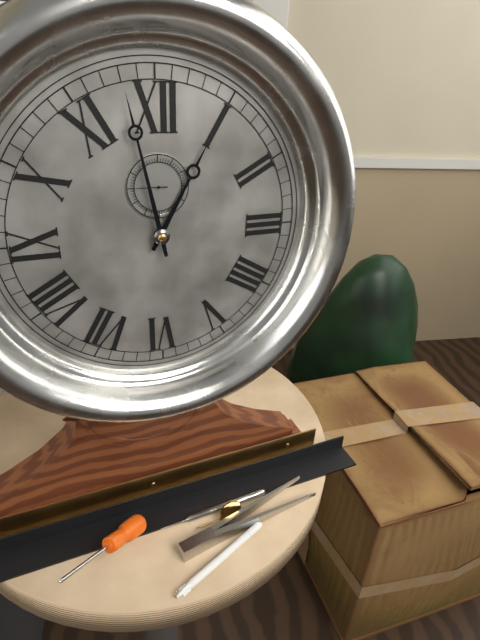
12:58
